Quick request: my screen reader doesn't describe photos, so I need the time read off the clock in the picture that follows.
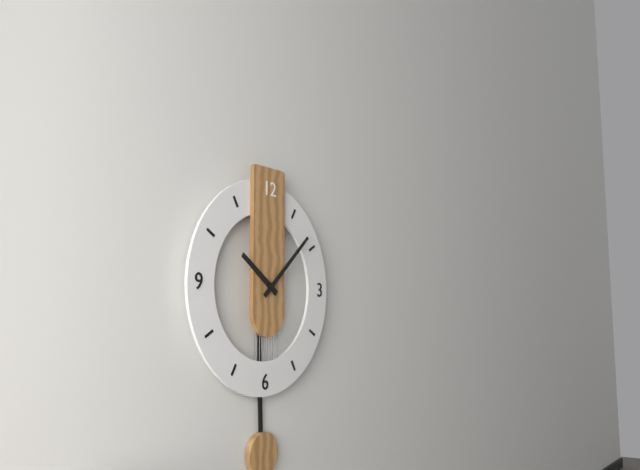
10:08
